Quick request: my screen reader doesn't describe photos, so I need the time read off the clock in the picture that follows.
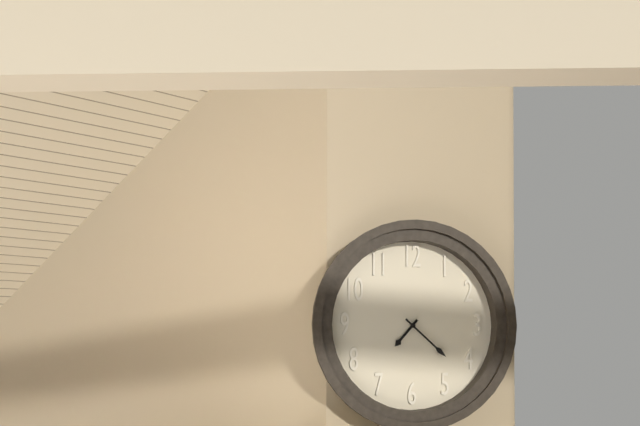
7:22
